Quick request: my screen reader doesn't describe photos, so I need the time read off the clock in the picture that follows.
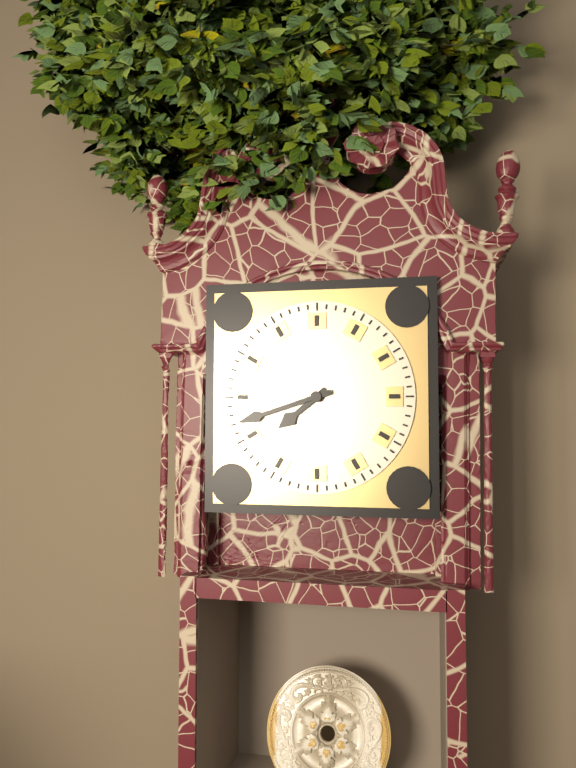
7:42
